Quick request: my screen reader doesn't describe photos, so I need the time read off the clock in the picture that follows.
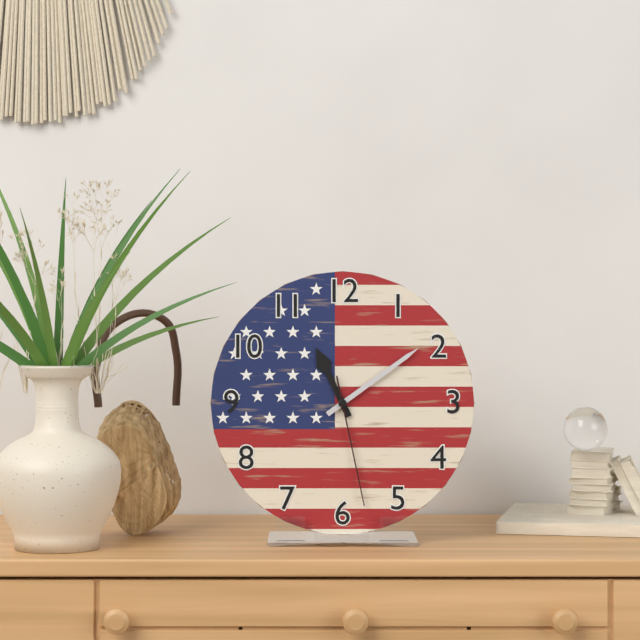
11:09:28
